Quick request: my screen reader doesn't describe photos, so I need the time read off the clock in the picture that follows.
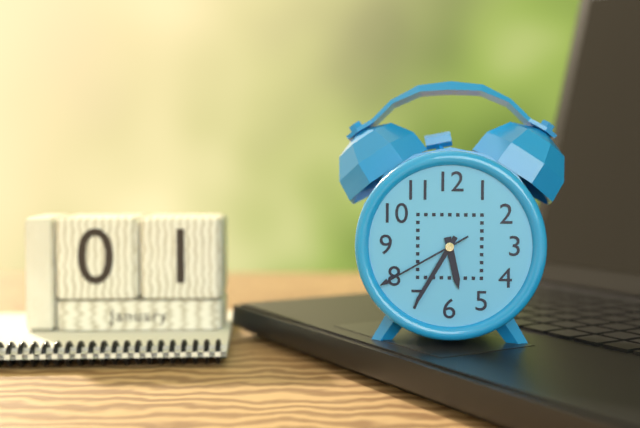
5:35:40
